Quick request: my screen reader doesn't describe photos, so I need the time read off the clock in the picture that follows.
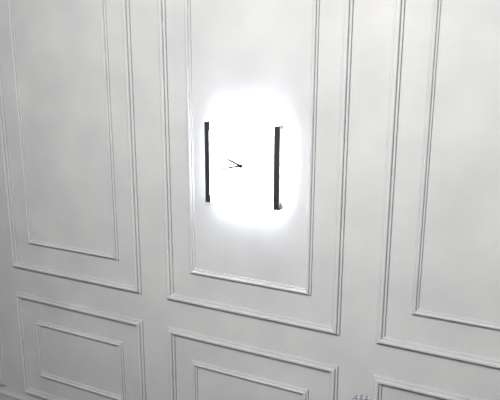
9:43
